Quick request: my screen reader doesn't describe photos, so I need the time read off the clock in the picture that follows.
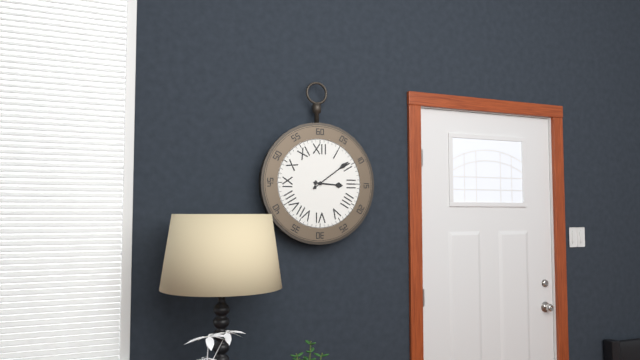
3:09
